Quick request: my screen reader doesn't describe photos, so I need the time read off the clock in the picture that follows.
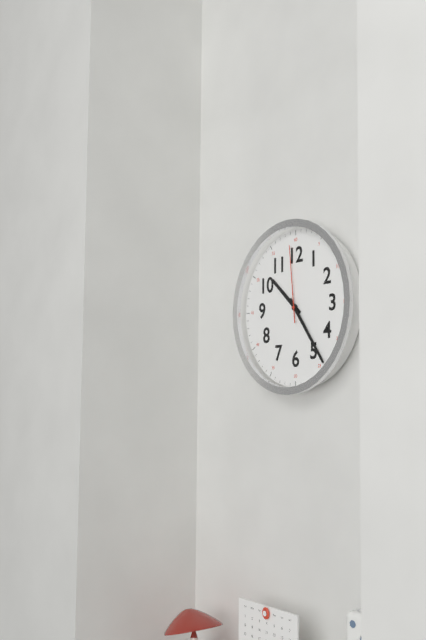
10:24:59
